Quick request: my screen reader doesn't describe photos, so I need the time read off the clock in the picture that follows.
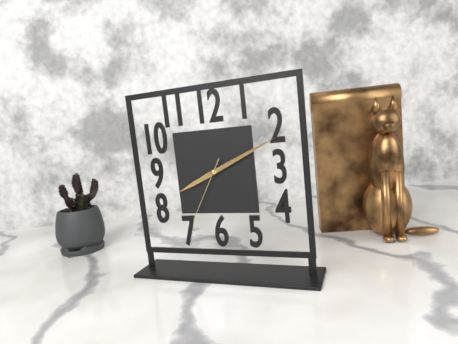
8:11:35
